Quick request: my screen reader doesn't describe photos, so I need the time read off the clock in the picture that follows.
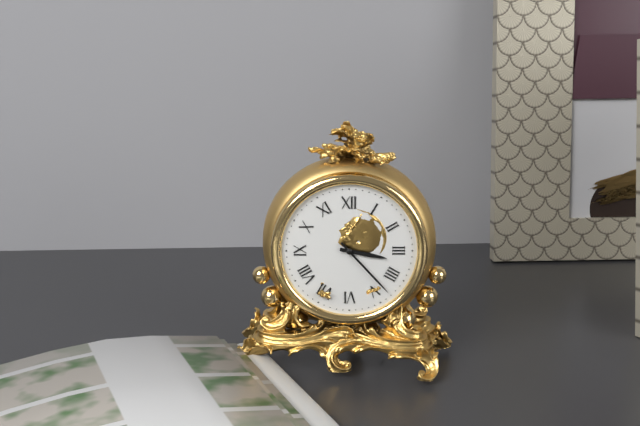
3:23
